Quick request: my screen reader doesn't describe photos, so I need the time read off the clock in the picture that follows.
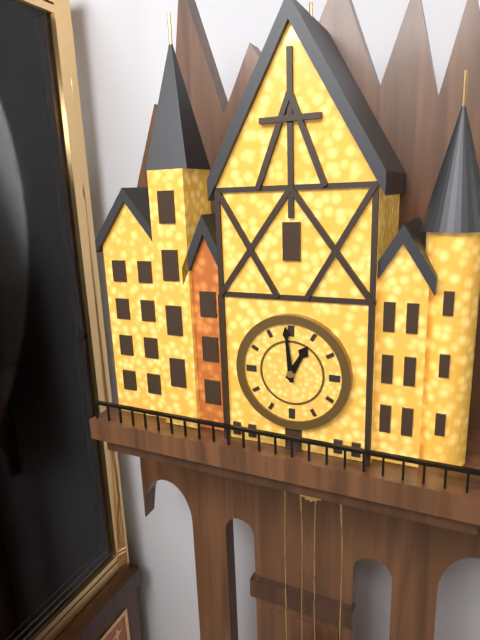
12:59
